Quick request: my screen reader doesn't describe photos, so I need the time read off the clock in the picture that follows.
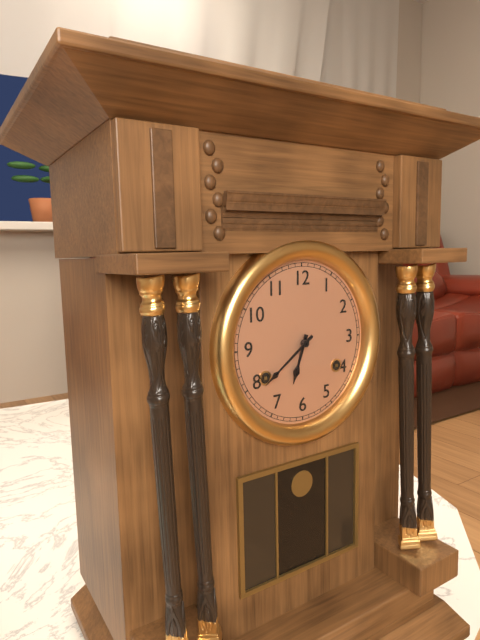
6:39
